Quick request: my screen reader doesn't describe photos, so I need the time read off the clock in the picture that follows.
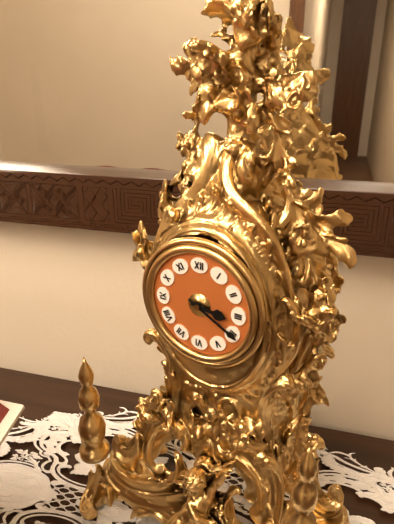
3:20
